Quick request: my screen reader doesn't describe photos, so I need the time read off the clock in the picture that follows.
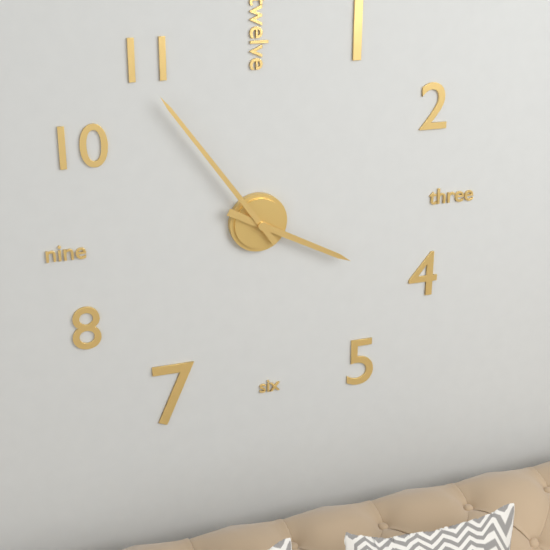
3:54
